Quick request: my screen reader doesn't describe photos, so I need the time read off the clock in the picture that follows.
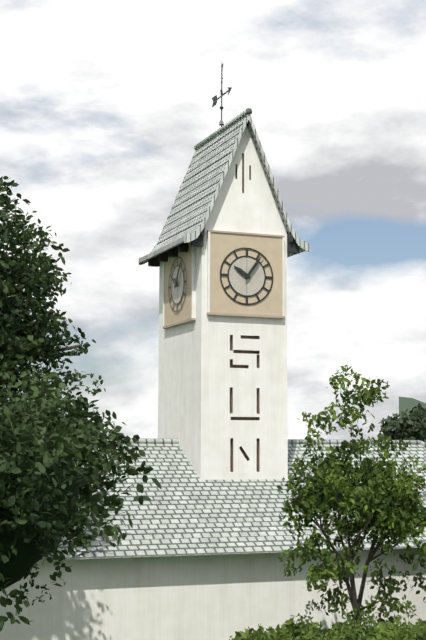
10:06
